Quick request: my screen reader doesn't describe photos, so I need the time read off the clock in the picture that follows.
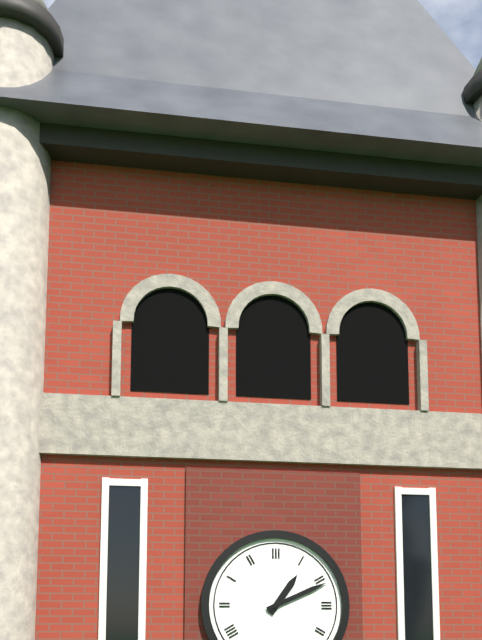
1:11
